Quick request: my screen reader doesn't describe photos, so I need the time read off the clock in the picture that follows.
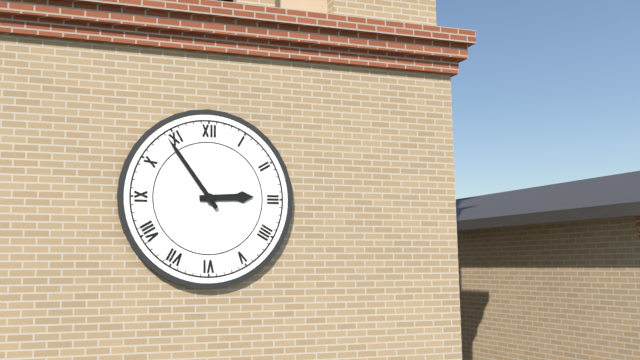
2:54
